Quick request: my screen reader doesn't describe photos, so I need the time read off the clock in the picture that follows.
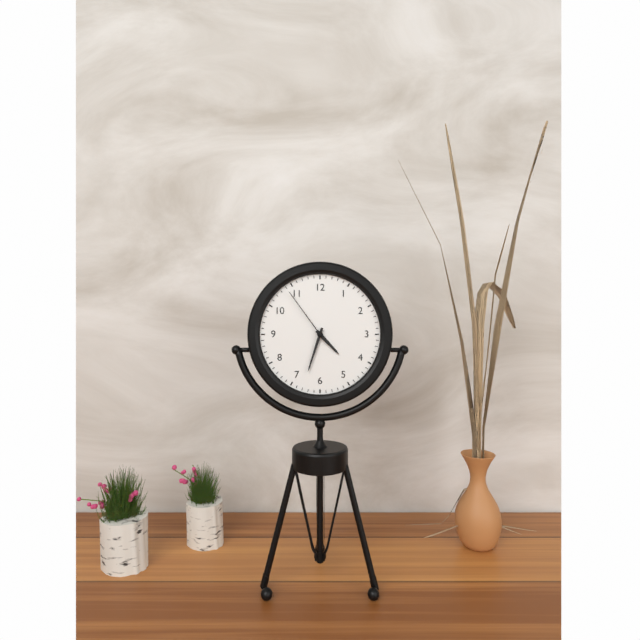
4:33:54
